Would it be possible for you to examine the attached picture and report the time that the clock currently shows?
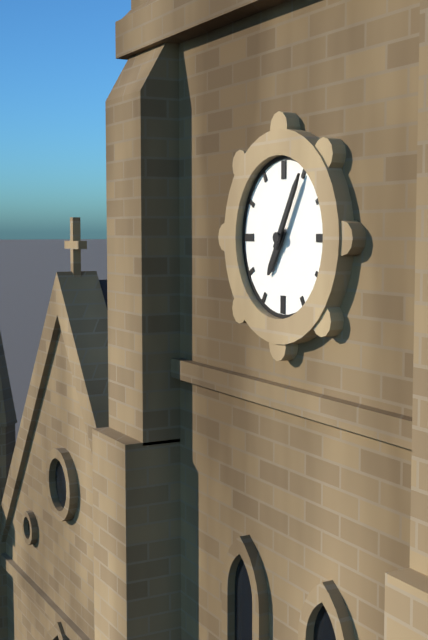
7:05
